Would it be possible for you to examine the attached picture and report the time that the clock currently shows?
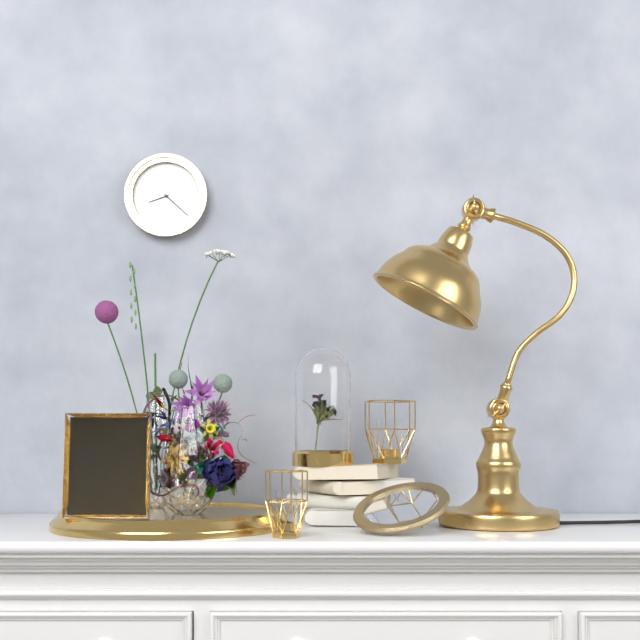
8:22
